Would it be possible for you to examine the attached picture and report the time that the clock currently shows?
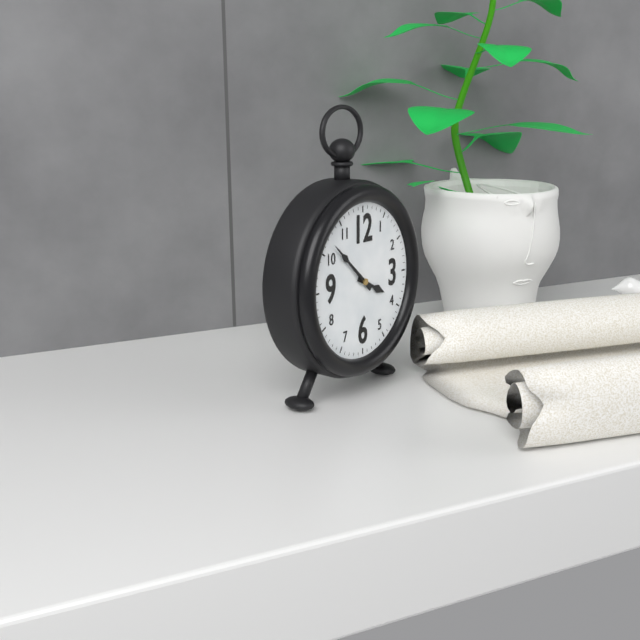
3:52
